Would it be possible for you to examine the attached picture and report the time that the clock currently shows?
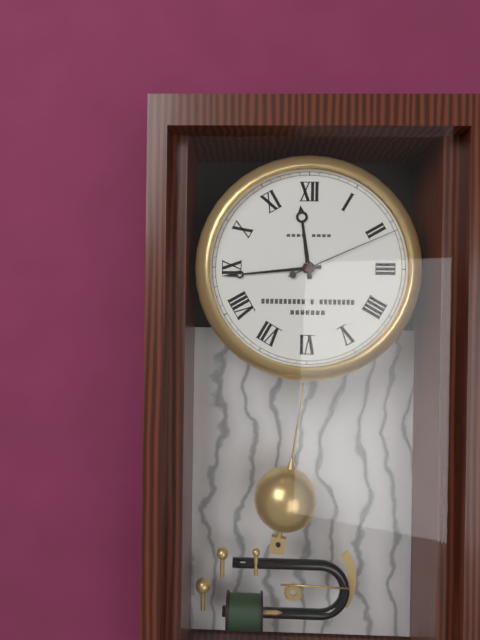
11:44:11
